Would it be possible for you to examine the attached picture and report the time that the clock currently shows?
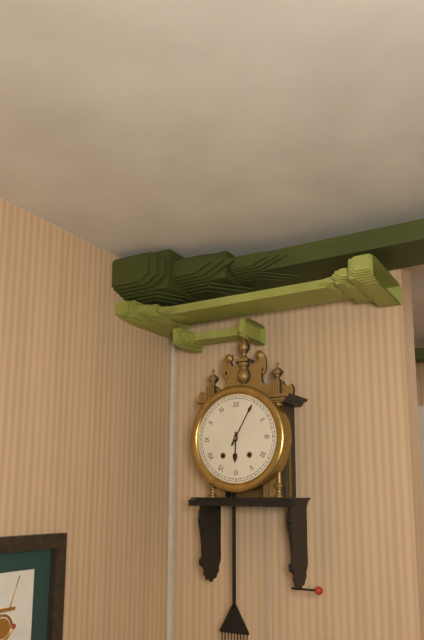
6:05
